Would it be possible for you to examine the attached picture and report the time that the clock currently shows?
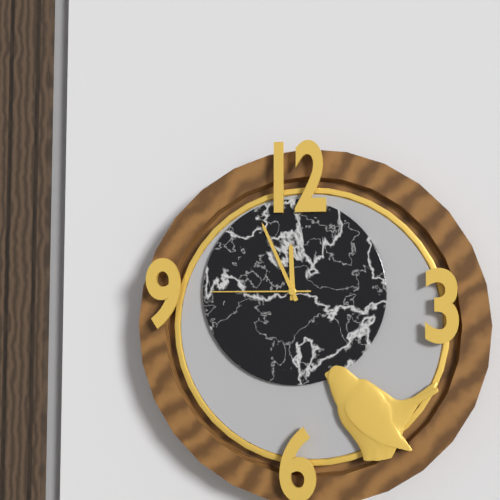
11:56:45
